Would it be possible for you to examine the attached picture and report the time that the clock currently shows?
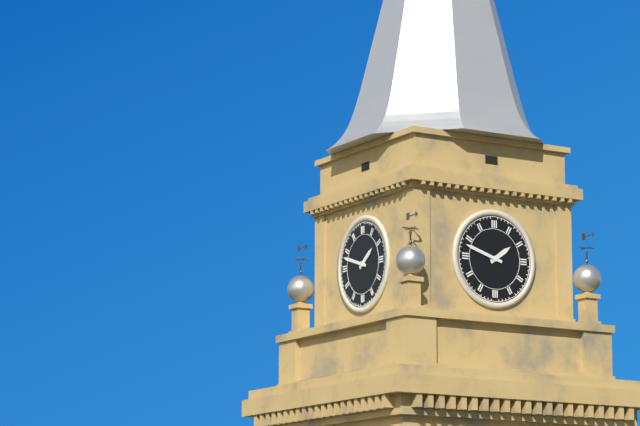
1:48
